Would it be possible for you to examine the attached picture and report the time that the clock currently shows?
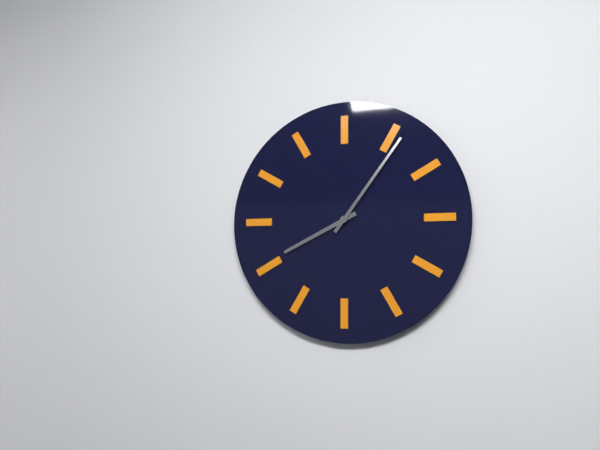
8:06
